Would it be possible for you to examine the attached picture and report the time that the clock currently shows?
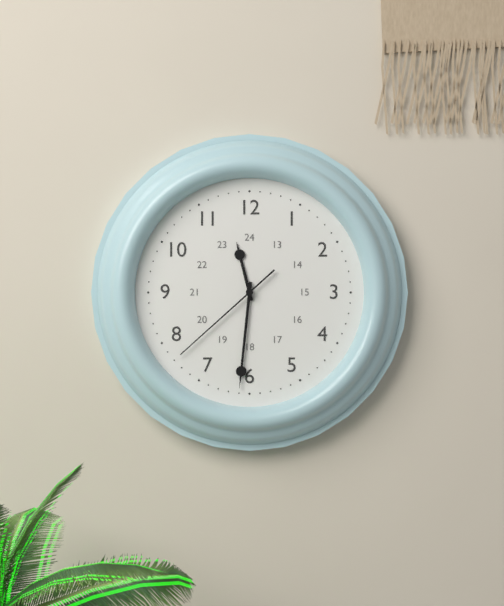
11:31:38
